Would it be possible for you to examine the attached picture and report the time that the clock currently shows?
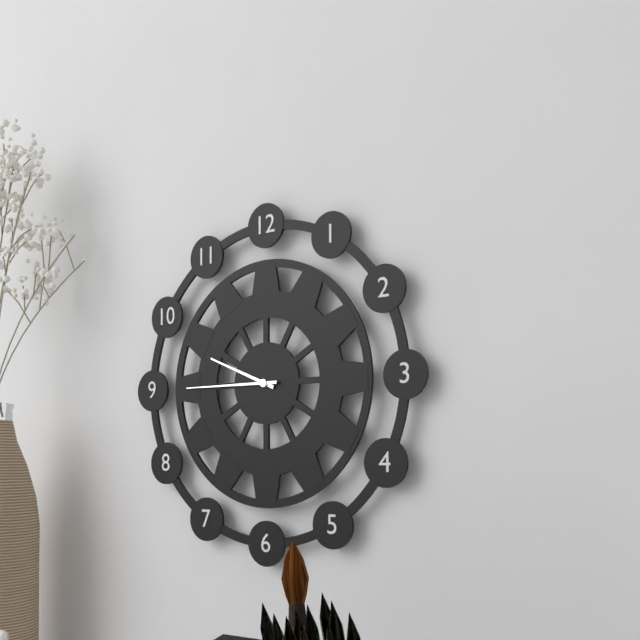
9:45
